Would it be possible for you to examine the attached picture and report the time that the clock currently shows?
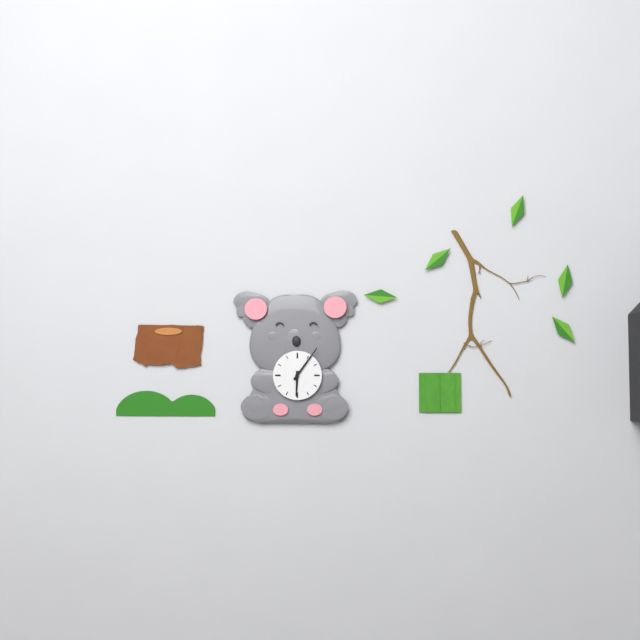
6:06
